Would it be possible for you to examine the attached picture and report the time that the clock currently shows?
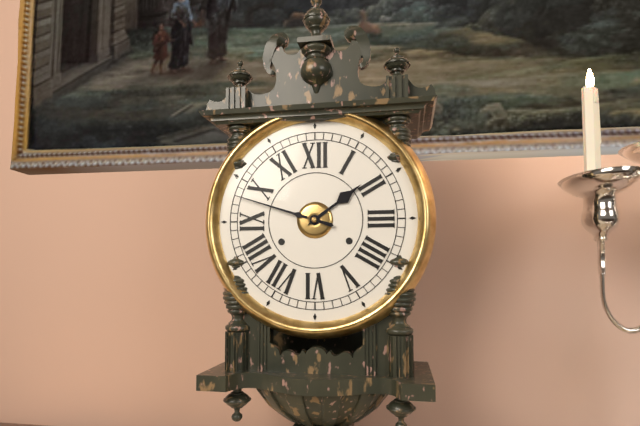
1:48
